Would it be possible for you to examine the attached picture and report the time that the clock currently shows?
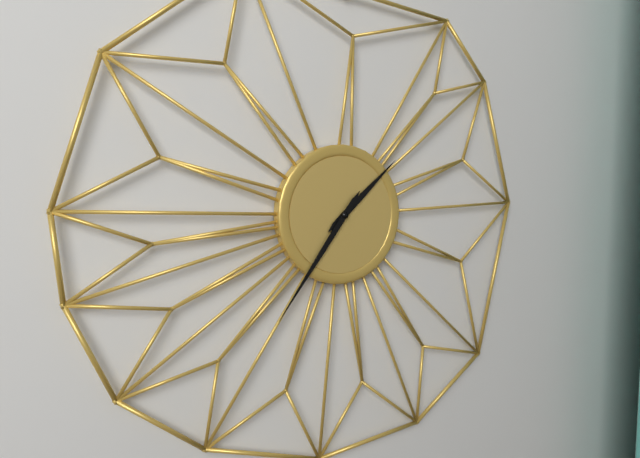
1:36
